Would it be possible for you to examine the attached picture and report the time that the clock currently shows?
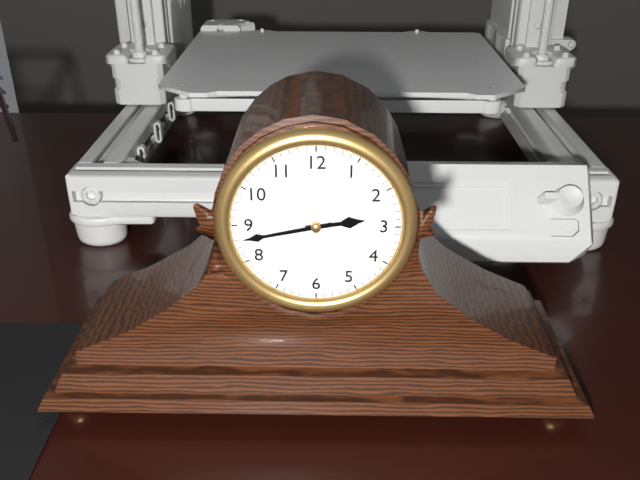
2:43
